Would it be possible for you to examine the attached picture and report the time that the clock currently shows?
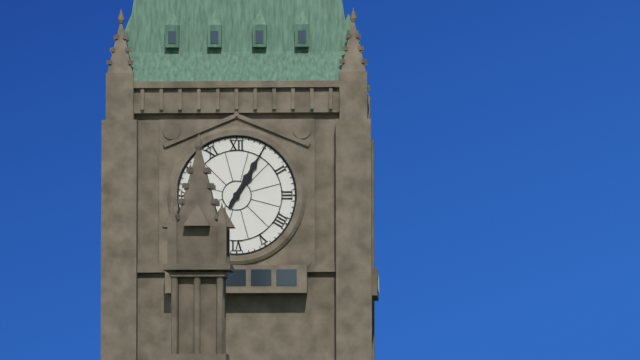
1:05
